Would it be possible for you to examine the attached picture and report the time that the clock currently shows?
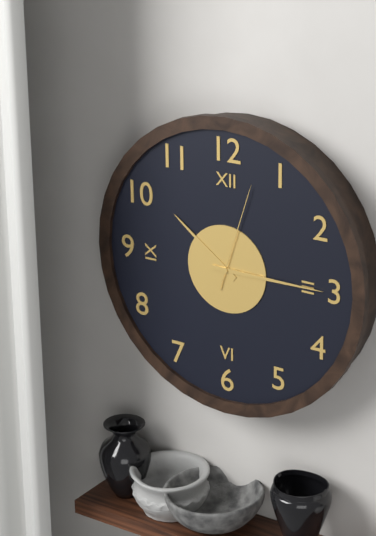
10:15:03
